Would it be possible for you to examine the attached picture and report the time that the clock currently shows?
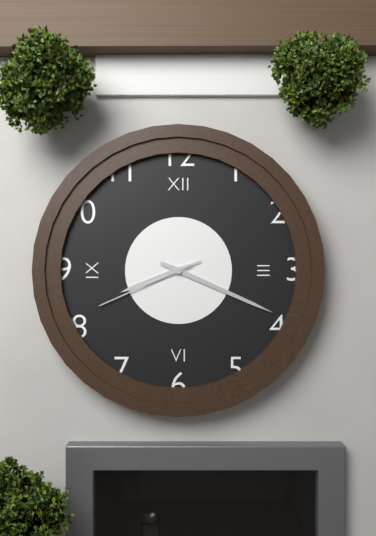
8:19:41
